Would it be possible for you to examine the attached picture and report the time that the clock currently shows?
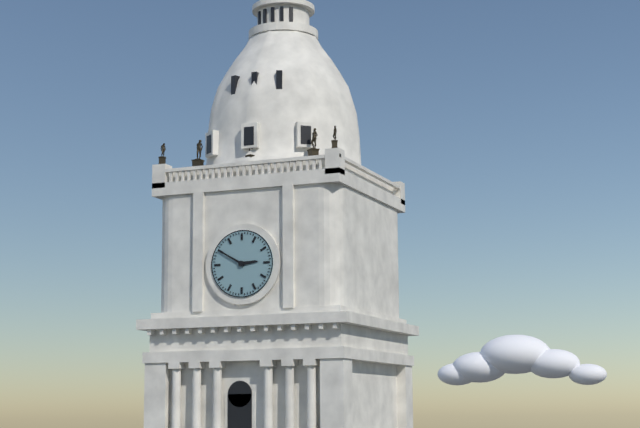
2:50
